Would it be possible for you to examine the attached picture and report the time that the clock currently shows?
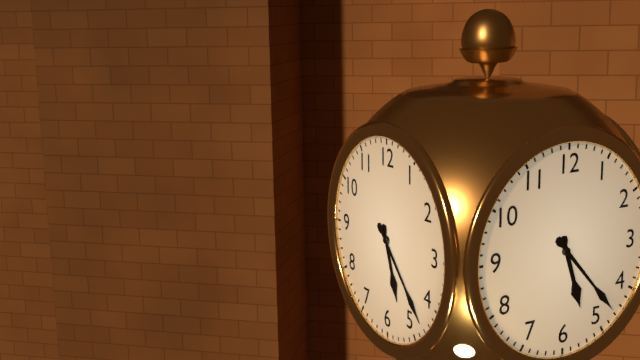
5:23
